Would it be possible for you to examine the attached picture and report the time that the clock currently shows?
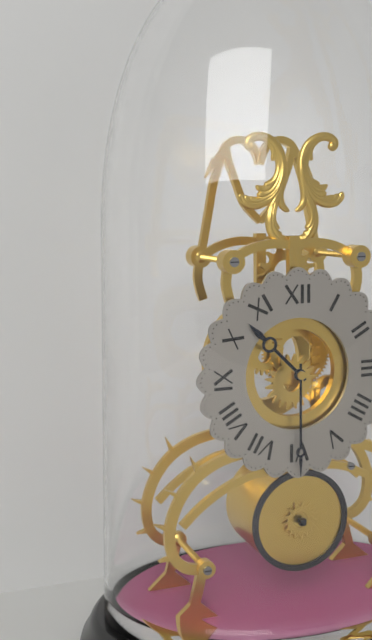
10:30
